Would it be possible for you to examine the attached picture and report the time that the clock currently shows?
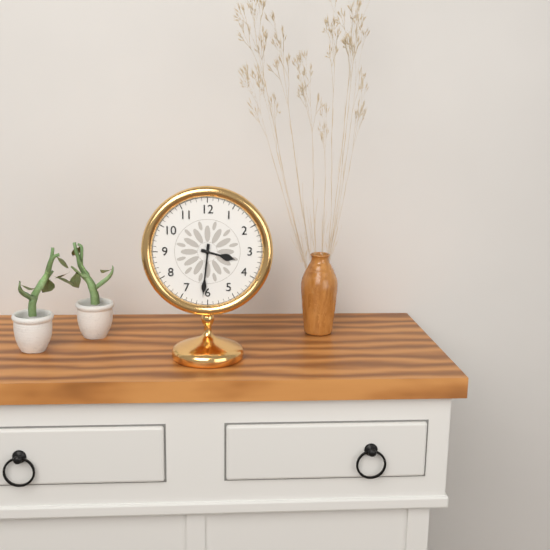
3:31
